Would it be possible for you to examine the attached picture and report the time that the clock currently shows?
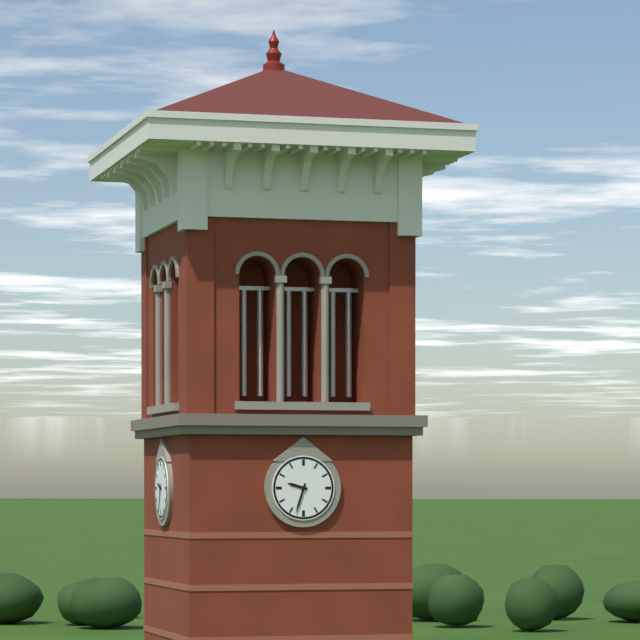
9:33
